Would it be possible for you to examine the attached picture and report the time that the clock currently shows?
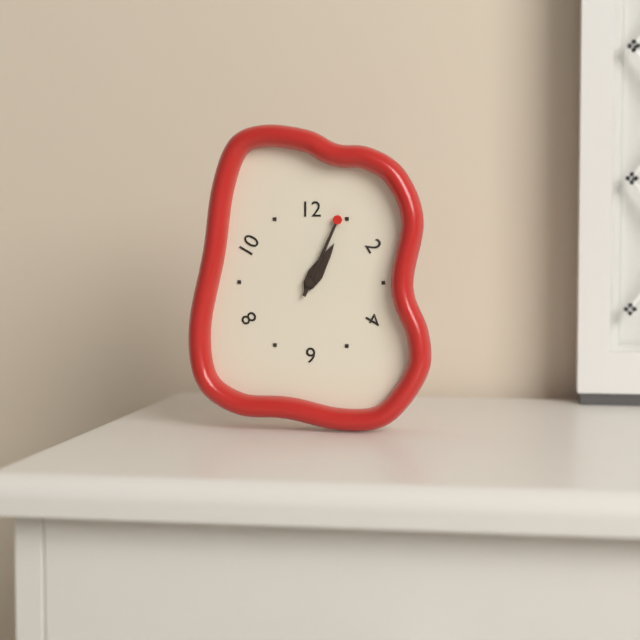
1:04
